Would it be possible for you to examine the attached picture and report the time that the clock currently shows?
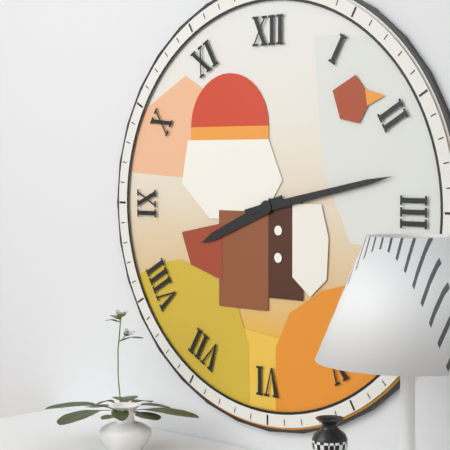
8:13
